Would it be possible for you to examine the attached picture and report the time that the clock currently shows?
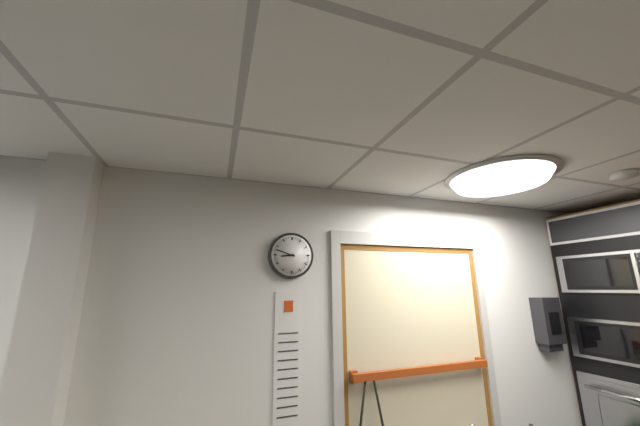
8:48
